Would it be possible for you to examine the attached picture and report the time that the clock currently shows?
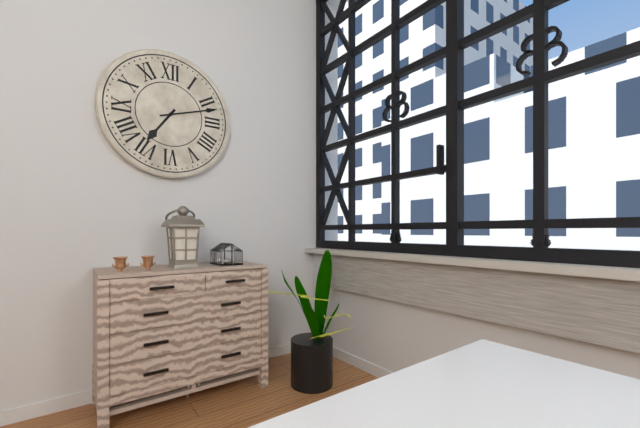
7:12
